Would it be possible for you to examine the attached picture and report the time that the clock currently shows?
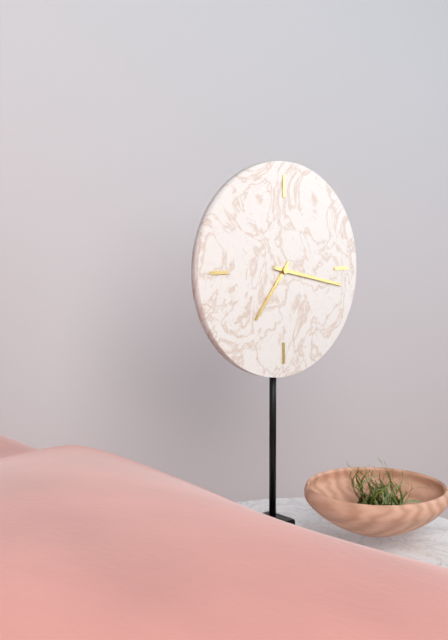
7:17
